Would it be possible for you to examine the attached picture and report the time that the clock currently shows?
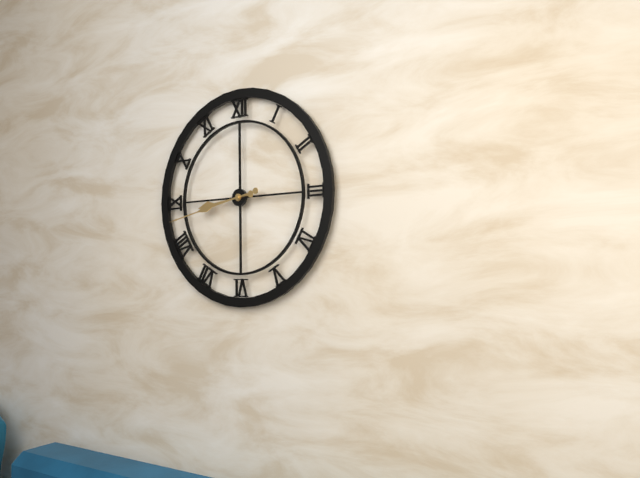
8:43
